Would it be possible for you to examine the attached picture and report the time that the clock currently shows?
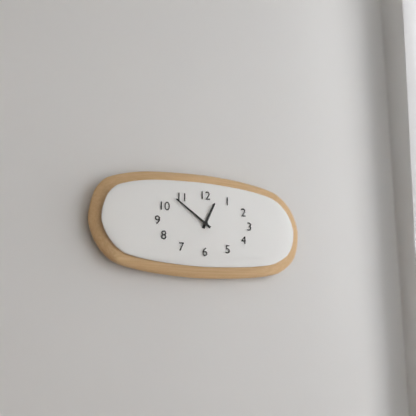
12:51
